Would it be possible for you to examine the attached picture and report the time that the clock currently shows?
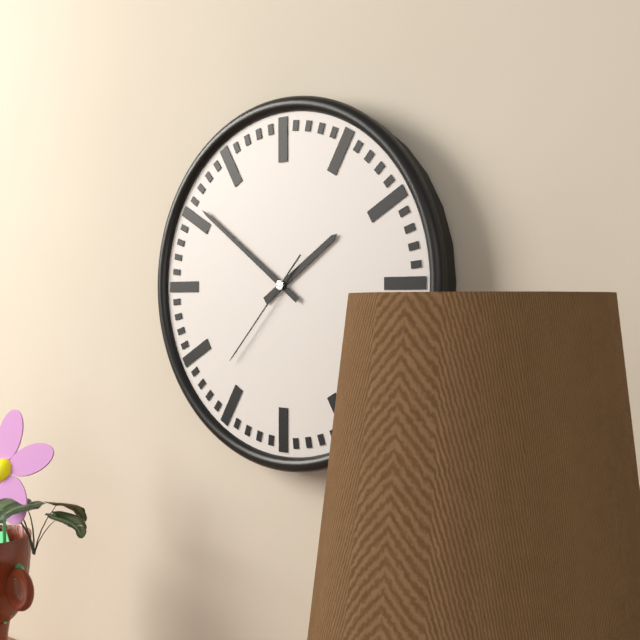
1:51:37
